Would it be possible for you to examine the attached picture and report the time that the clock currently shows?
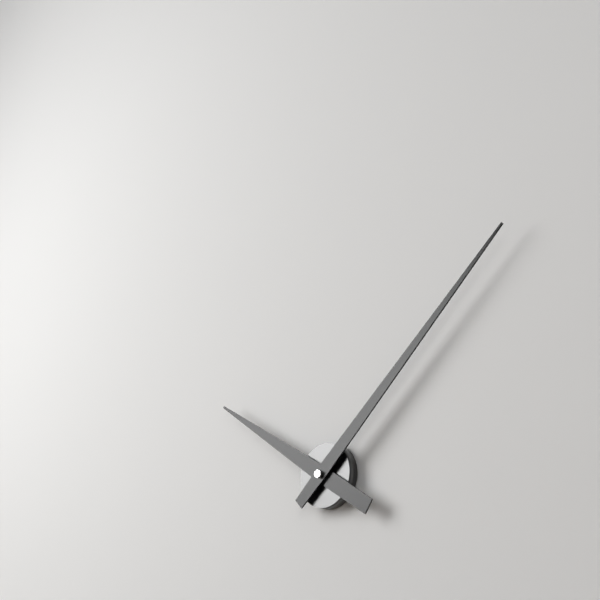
10:08
